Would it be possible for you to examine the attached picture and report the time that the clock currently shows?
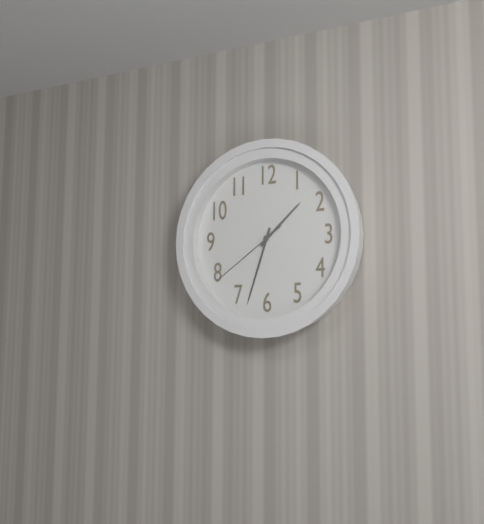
1:33:39
